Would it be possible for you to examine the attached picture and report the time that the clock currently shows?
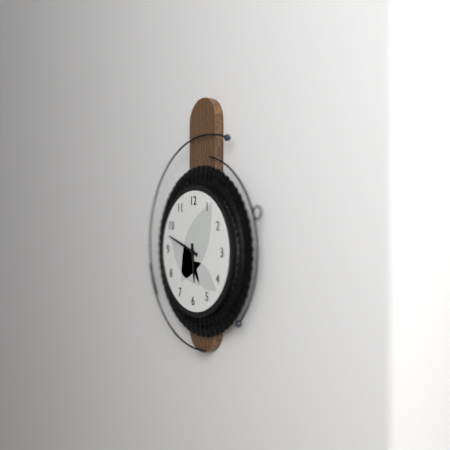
5:48
